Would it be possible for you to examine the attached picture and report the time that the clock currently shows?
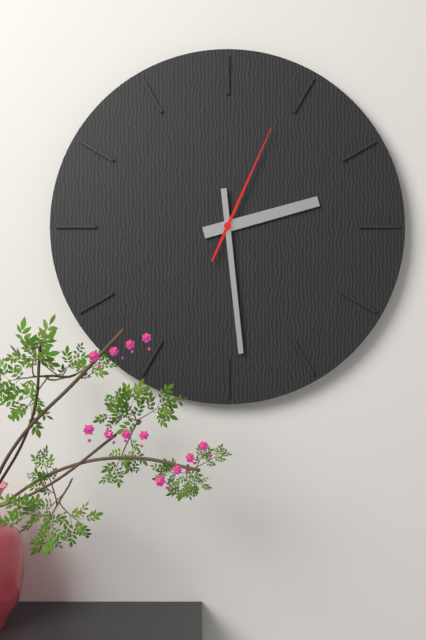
2:29:04
